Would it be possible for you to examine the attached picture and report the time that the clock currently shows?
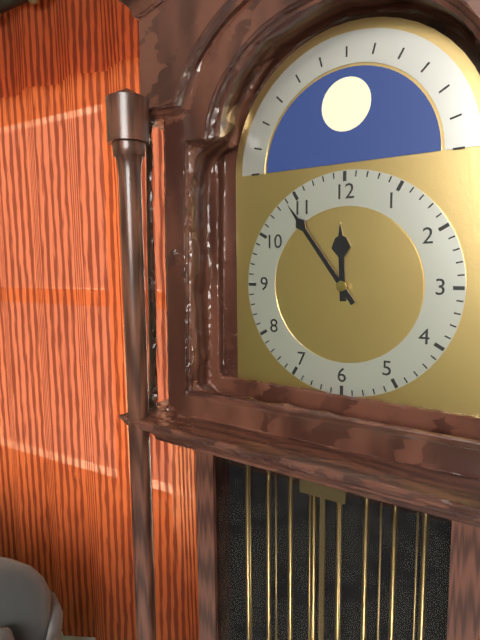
11:54
